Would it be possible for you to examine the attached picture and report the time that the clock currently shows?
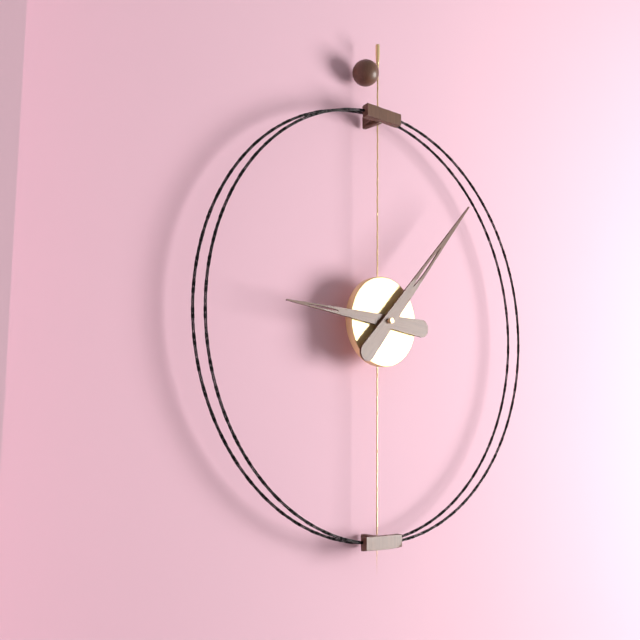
9:07
